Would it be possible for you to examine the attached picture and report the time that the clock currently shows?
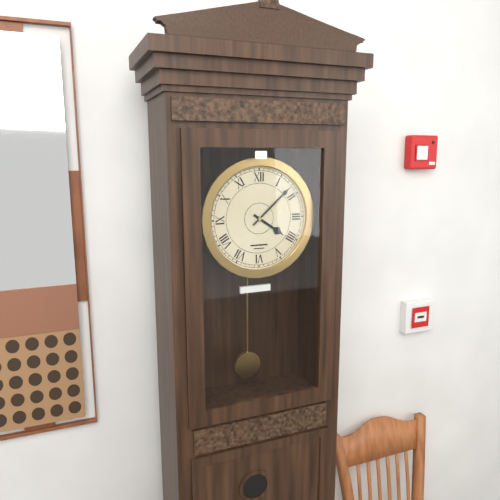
4:08
